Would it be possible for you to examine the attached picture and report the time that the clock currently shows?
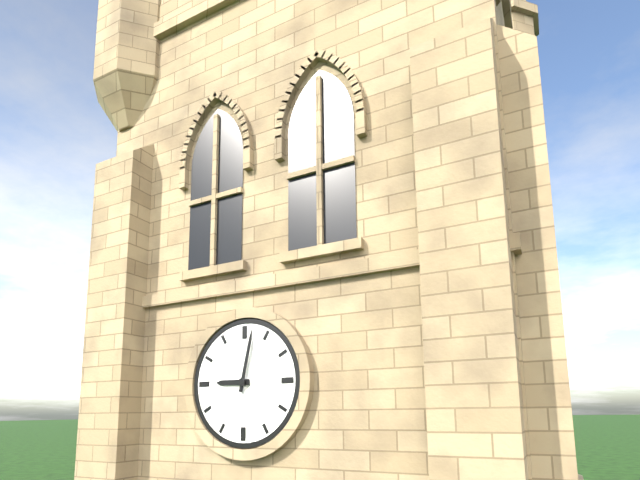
9:02
